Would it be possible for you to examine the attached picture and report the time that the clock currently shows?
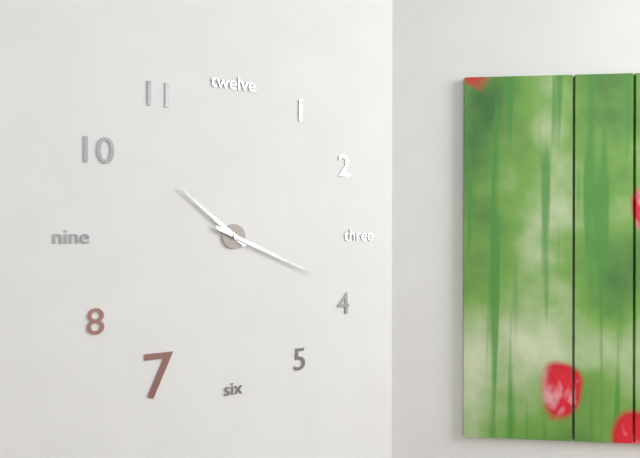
10:19
